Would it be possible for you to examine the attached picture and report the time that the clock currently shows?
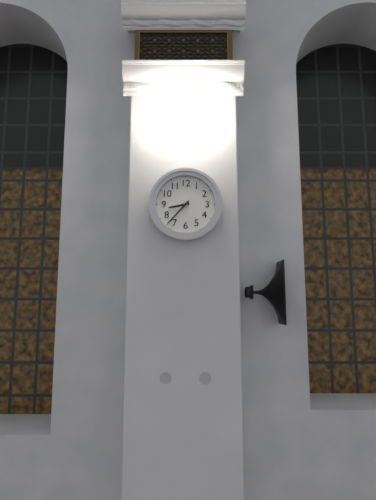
8:37
